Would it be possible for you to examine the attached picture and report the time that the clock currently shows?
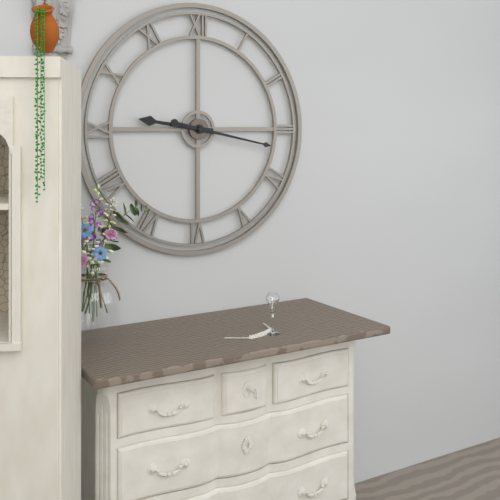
9:17
